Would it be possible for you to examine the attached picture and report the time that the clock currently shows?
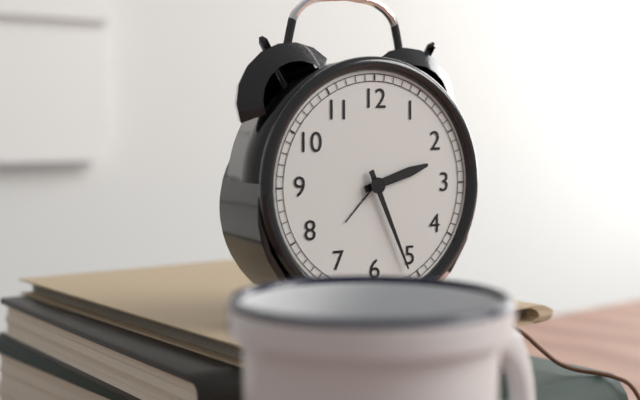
2:26
